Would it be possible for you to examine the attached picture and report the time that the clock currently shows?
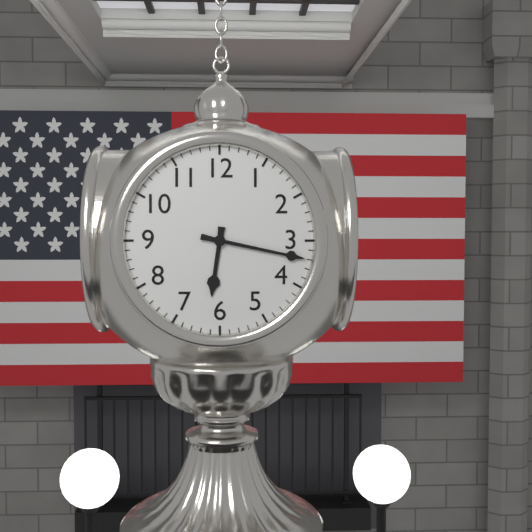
6:17
